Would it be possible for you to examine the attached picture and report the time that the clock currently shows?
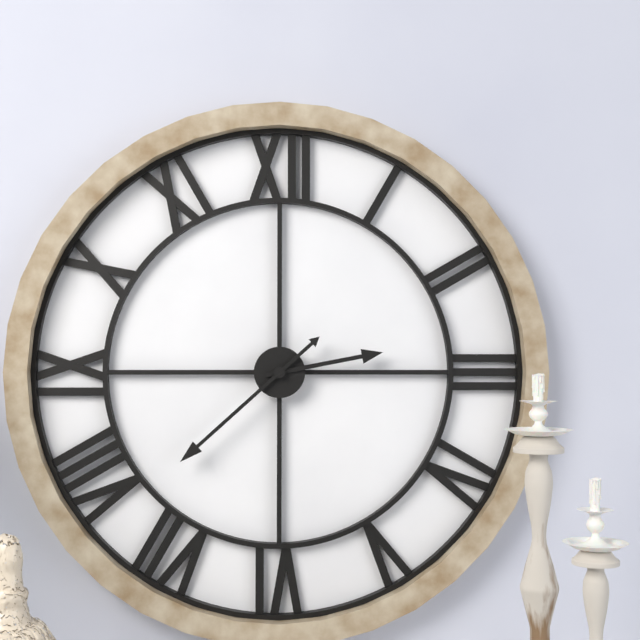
2:38
